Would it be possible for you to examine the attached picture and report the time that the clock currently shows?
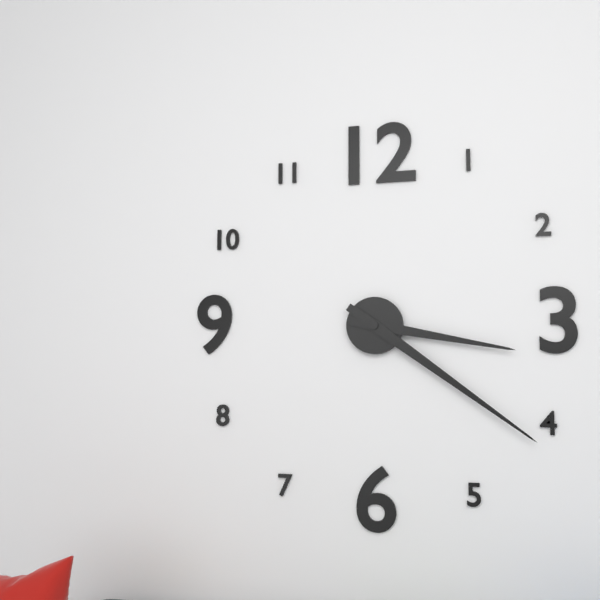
3:21
